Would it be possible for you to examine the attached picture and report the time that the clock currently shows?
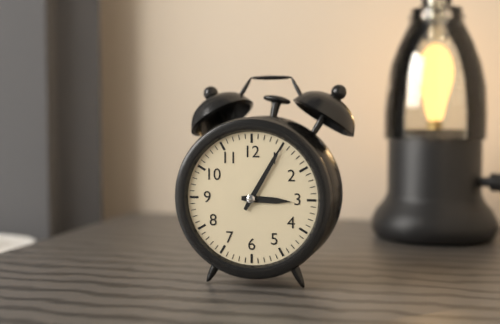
3:05
